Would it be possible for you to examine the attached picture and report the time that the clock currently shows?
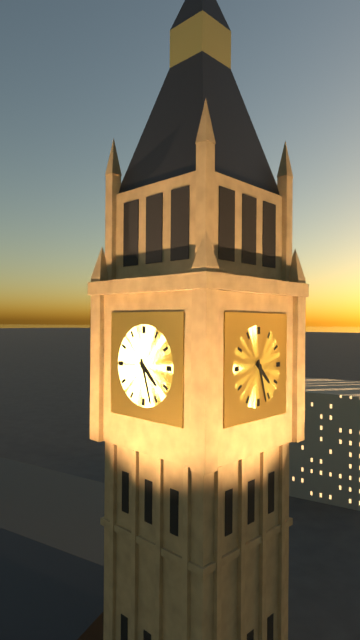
4:27
